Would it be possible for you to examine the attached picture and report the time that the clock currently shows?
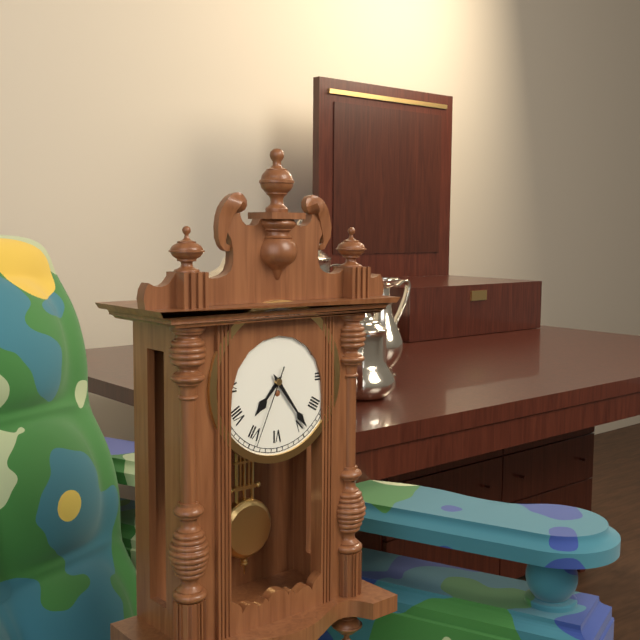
7:24:34
